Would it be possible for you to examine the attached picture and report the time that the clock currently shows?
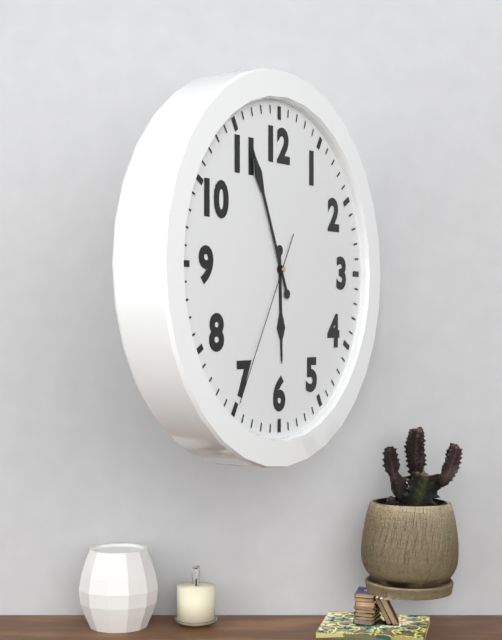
5:56:35
